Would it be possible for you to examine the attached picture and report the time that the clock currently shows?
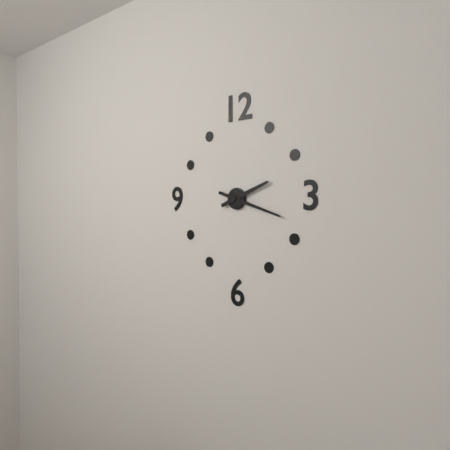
2:18
